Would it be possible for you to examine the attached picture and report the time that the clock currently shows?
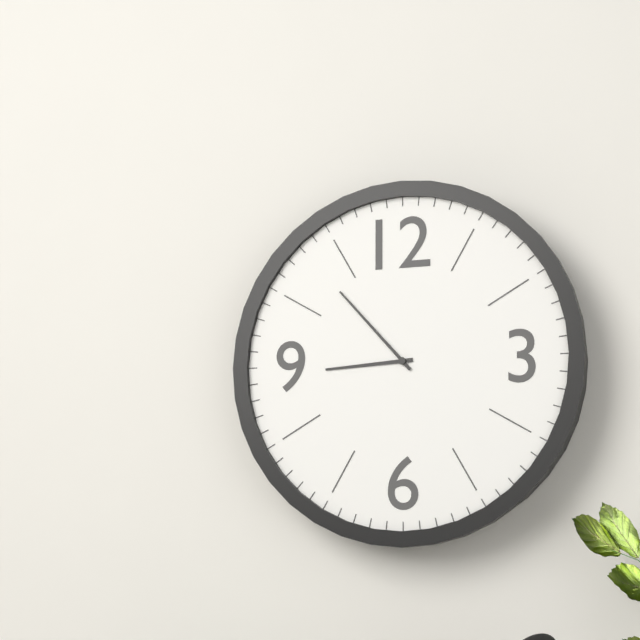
8:53
